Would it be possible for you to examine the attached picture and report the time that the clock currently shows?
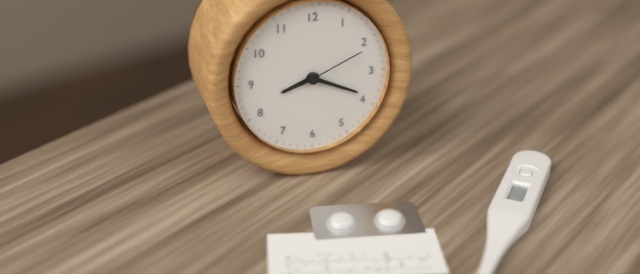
8:19:11
